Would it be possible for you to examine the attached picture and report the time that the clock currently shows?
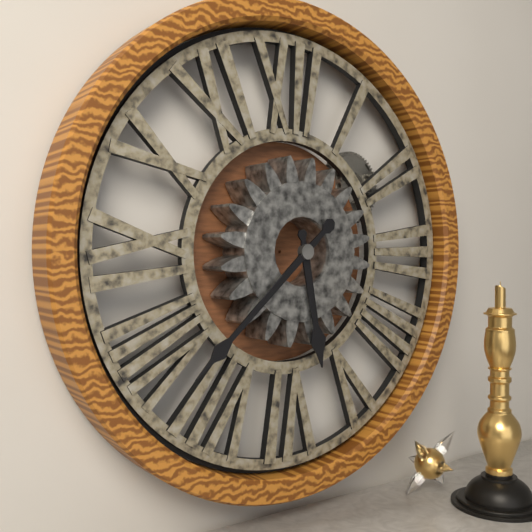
5:38
